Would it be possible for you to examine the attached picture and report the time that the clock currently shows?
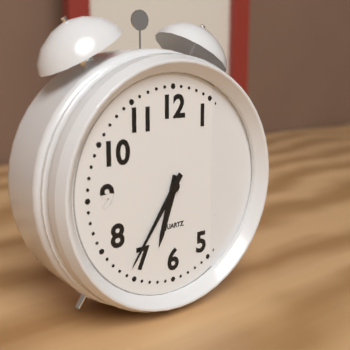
6:36
